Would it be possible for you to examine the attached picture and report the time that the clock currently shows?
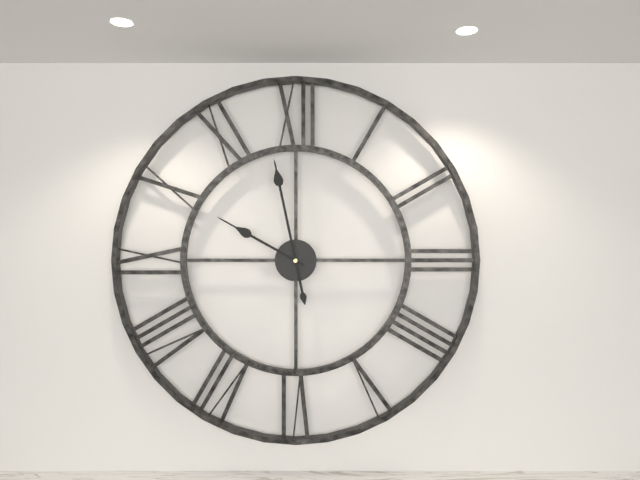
9:58
